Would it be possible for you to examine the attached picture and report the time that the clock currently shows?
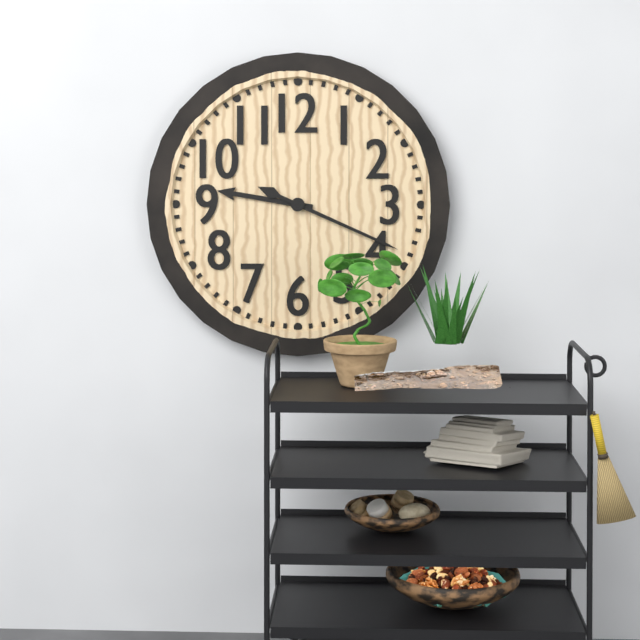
9:19
